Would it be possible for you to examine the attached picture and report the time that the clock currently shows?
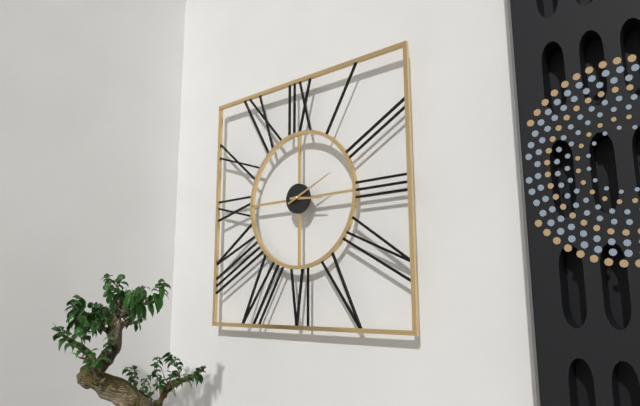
3:11
